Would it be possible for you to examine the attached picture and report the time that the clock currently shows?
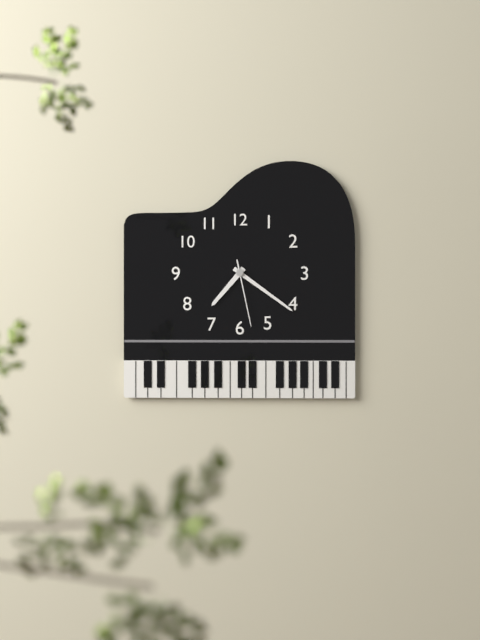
7:21:28
